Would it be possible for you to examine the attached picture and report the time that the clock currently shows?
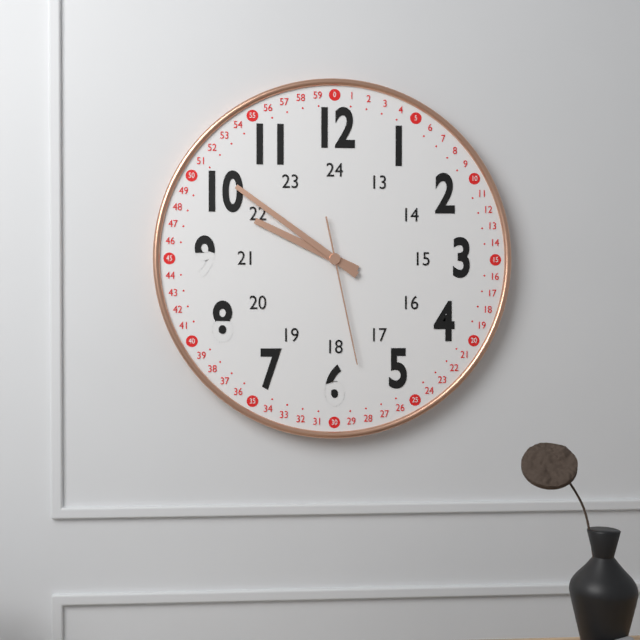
9:51:28
